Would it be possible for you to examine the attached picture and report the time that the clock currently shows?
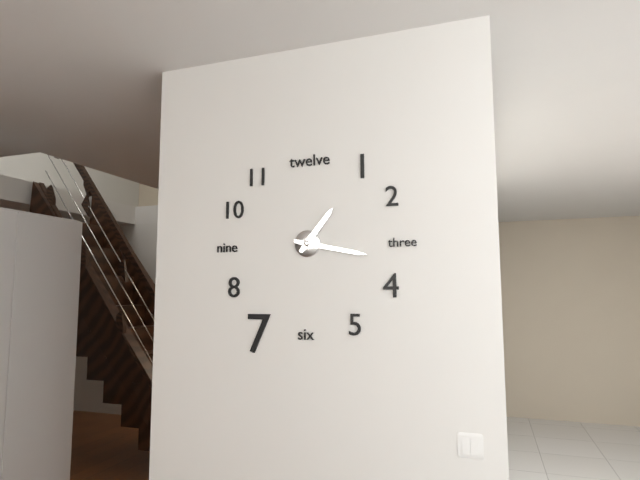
1:17
